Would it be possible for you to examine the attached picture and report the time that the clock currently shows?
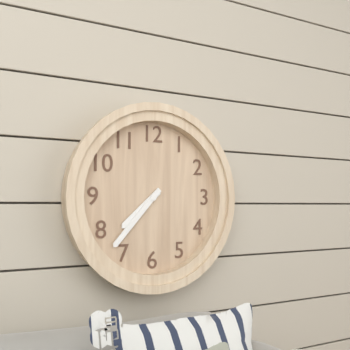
7:37
